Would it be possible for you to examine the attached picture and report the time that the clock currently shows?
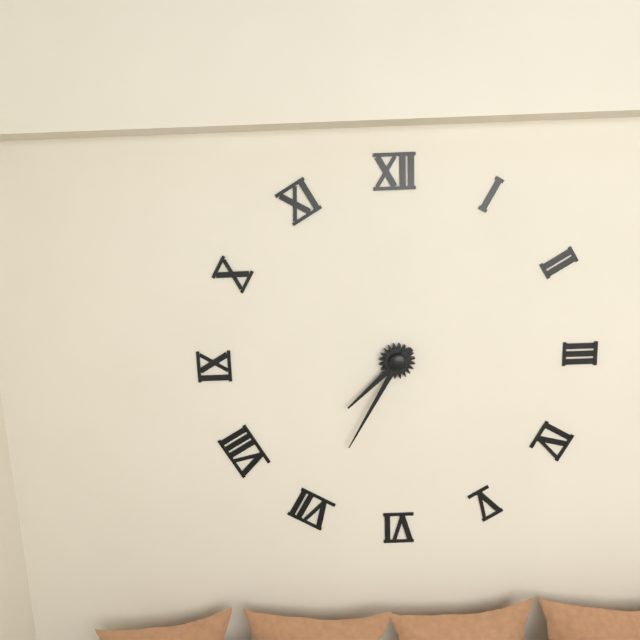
7:35
